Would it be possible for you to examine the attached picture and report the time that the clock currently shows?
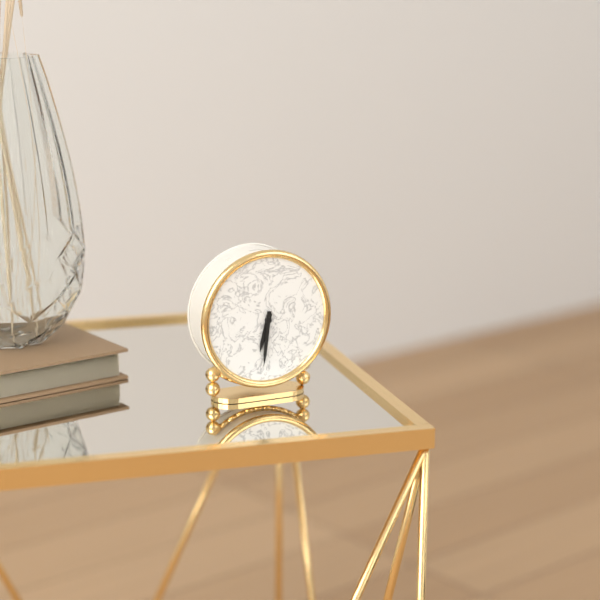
6:31
